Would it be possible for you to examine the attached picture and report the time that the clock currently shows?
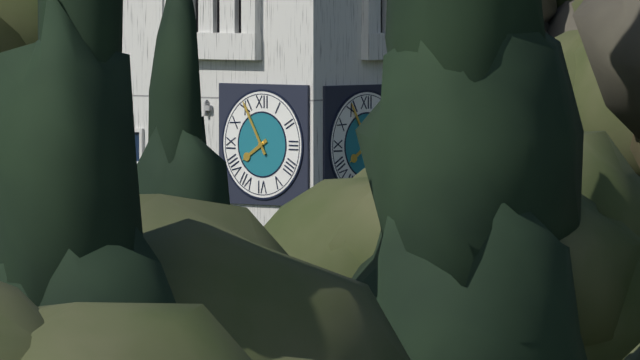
7:55
